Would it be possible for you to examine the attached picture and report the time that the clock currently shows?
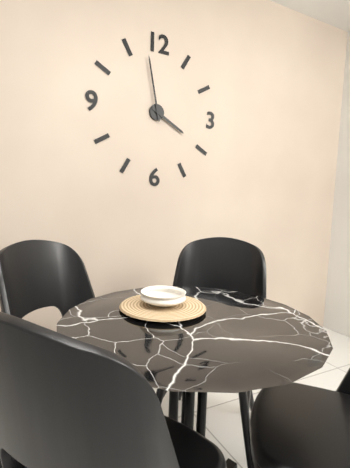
3:58
